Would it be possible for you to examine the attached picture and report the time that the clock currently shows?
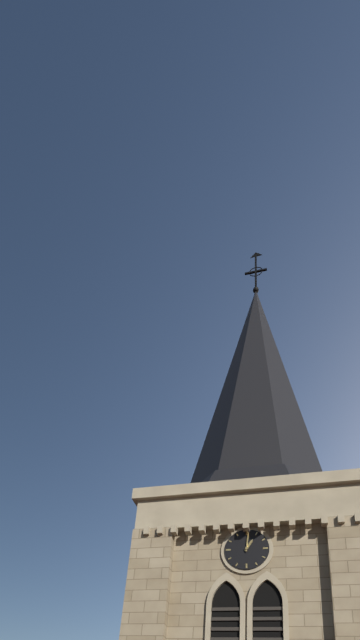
1:01
